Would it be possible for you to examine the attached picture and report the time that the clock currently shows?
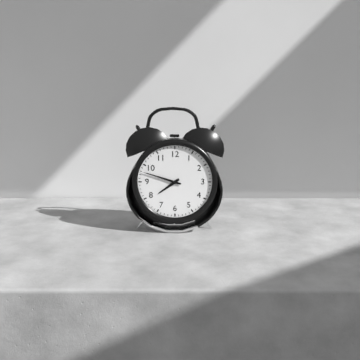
7:48
